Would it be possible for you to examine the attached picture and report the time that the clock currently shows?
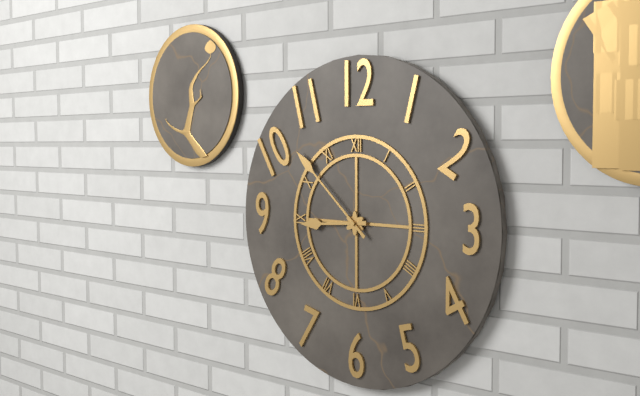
8:52
